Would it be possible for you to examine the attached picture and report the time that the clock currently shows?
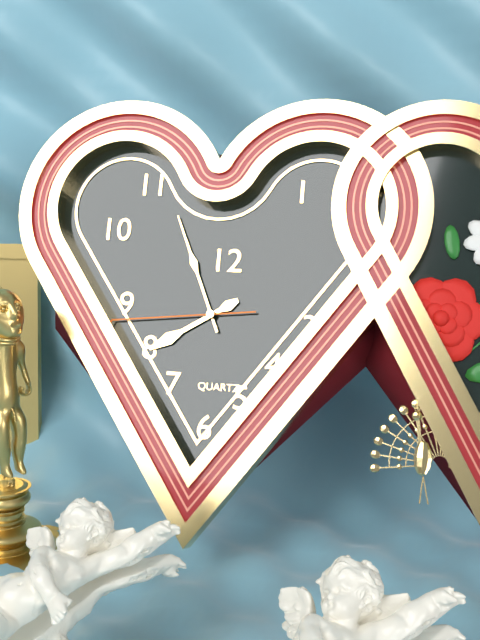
7:56:44
